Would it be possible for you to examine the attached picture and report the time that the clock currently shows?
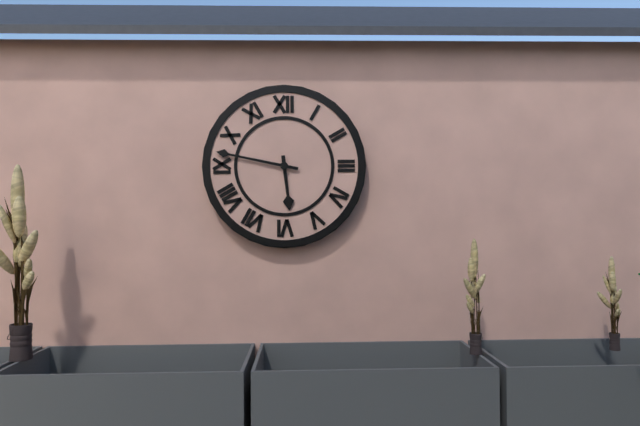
5:47
